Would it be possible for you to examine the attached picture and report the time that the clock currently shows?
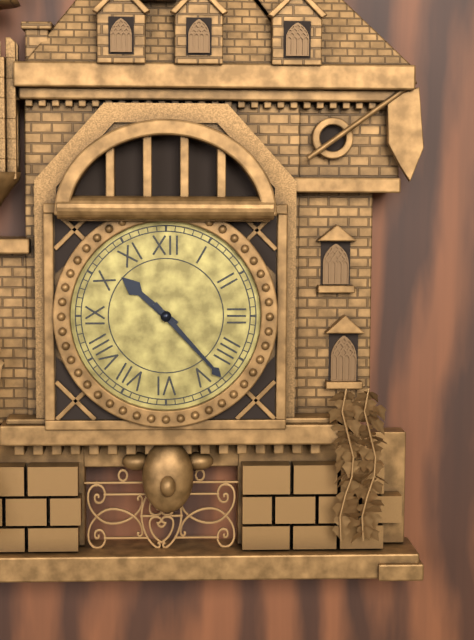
10:23
